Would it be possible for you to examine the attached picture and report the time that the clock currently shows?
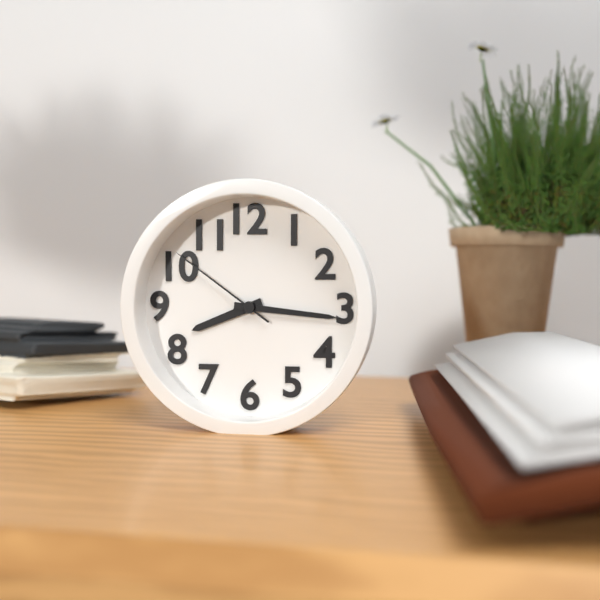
8:16:51
